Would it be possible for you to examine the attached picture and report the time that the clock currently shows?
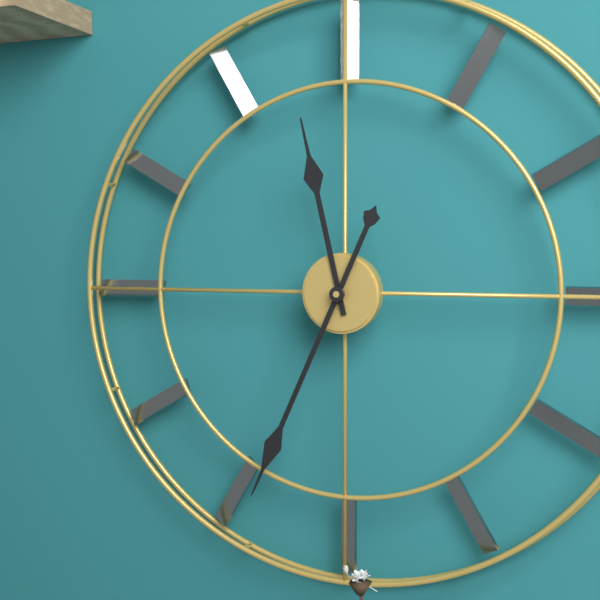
11:34
